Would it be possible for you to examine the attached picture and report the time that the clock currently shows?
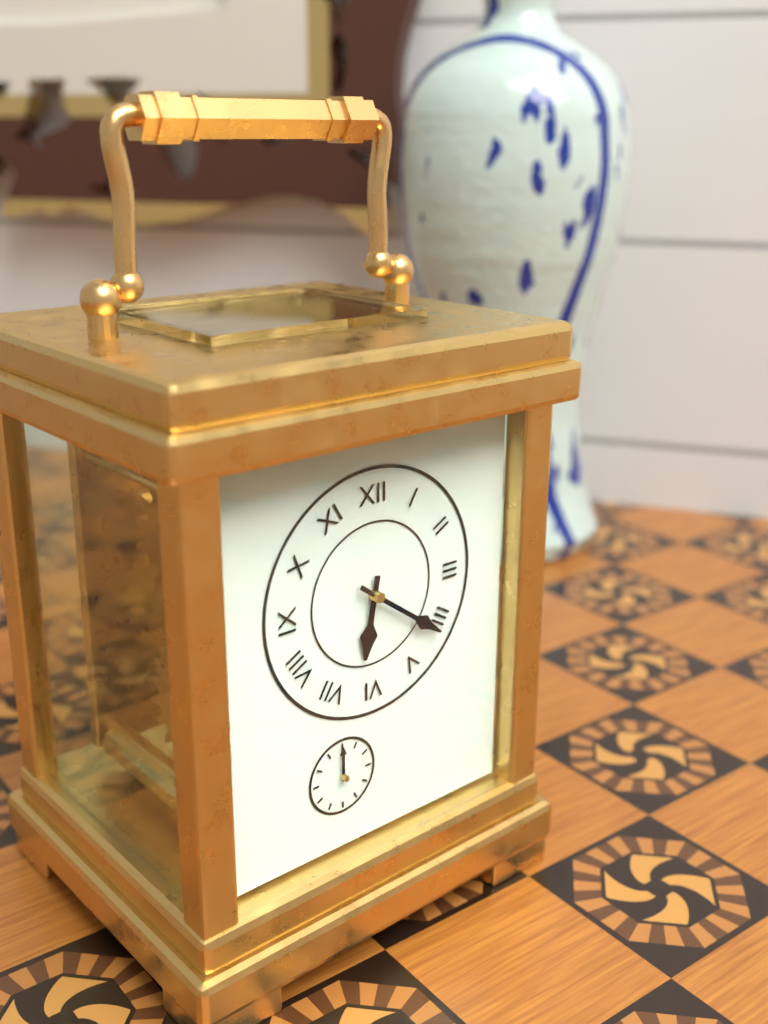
6:21
